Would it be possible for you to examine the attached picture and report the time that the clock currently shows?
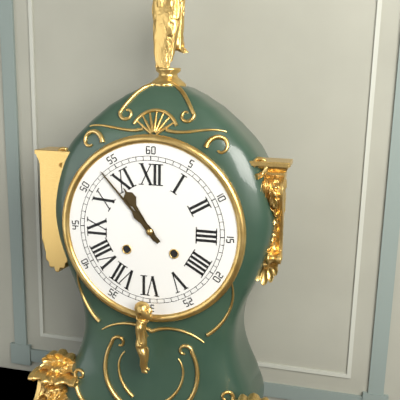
10:53
